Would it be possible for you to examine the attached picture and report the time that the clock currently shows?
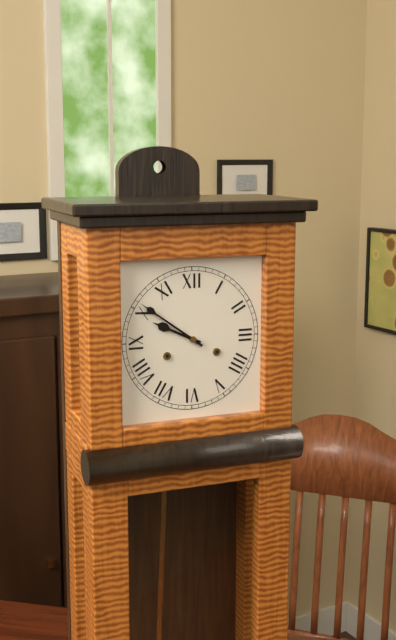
9:51
